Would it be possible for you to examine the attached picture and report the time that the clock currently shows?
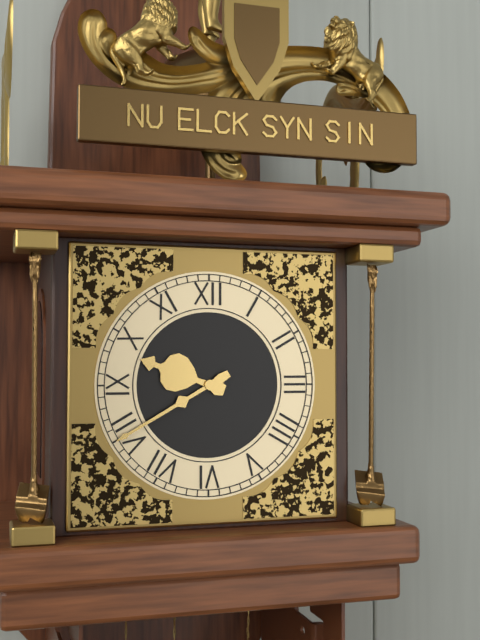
9:40
